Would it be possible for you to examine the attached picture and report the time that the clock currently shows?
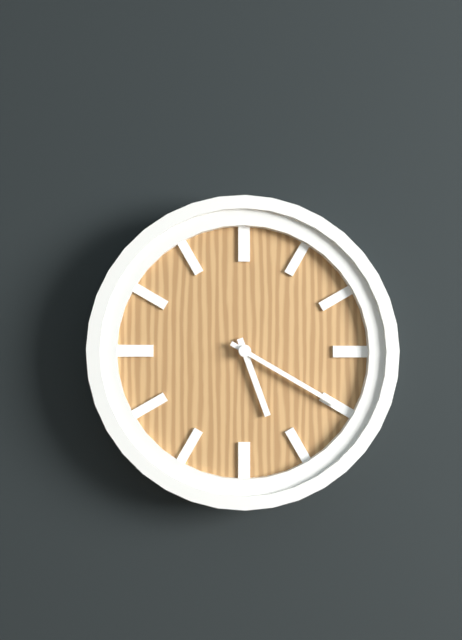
5:20
